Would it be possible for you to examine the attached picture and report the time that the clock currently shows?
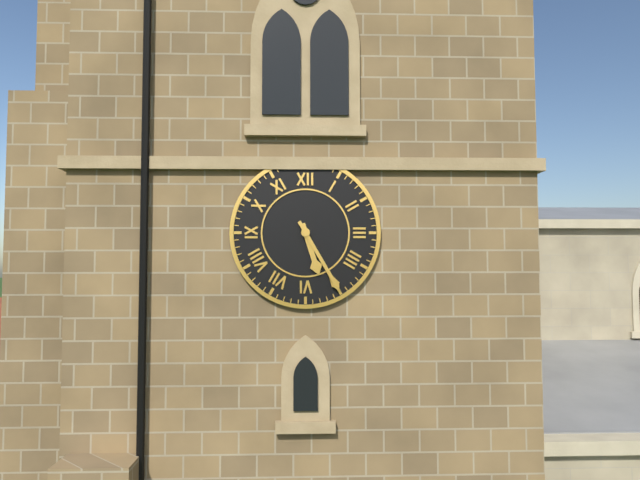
5:25
